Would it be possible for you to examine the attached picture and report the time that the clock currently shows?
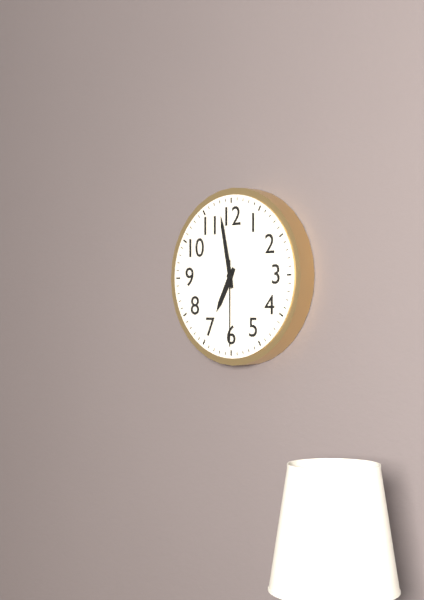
6:58:30
